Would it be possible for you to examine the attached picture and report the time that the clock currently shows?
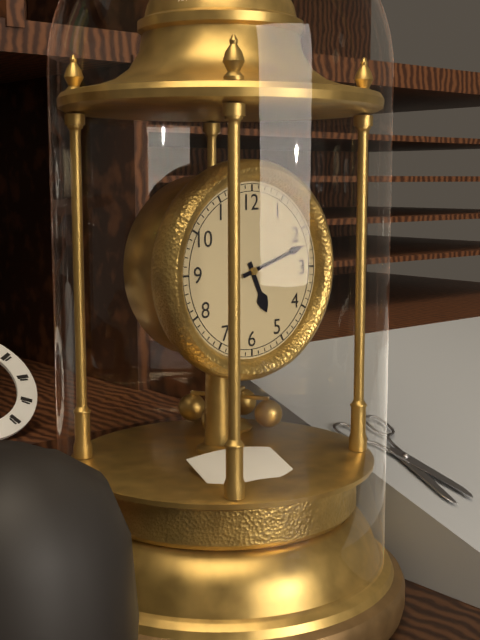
5:12
